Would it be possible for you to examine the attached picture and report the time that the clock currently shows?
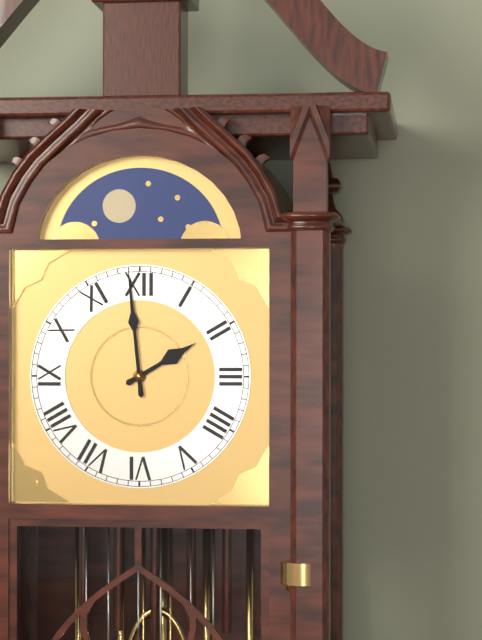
1:59
